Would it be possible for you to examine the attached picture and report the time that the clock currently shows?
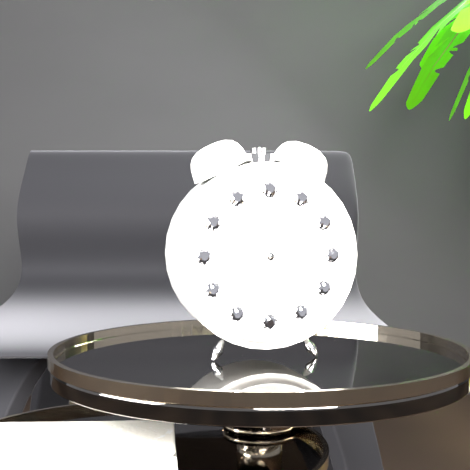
5:36:49
